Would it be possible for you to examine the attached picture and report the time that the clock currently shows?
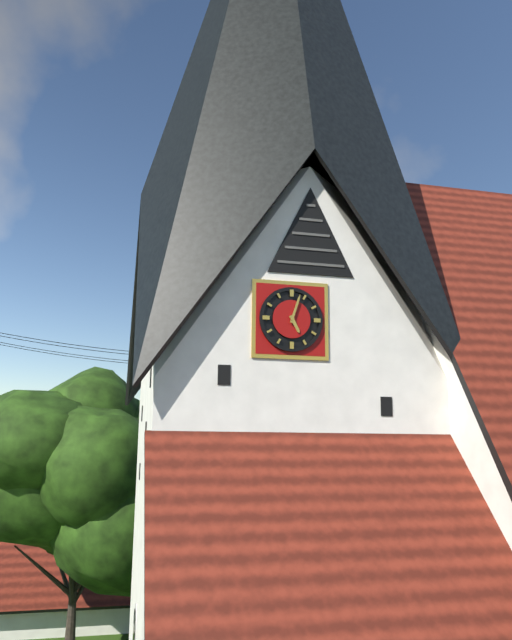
5:03
